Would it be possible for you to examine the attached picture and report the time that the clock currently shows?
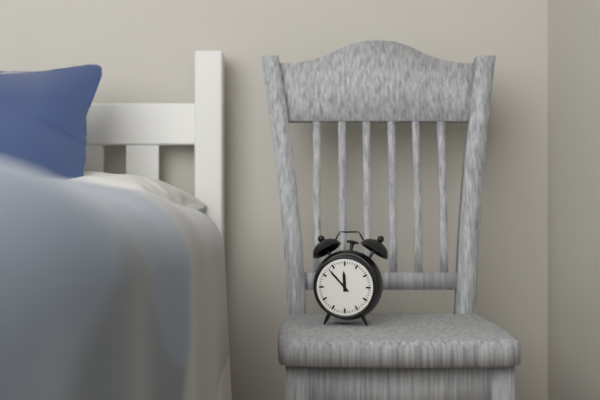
11:53
